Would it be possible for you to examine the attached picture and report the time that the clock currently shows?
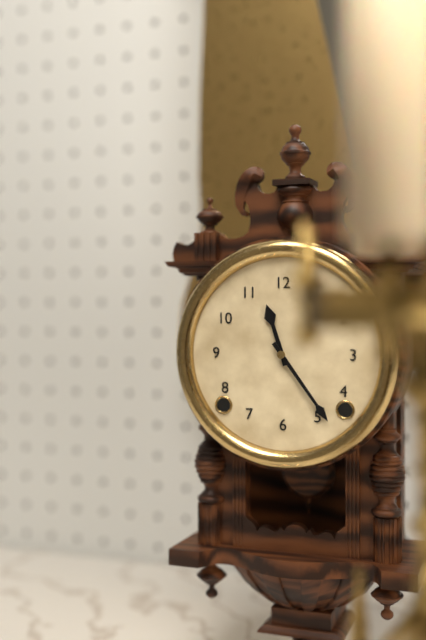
11:24
